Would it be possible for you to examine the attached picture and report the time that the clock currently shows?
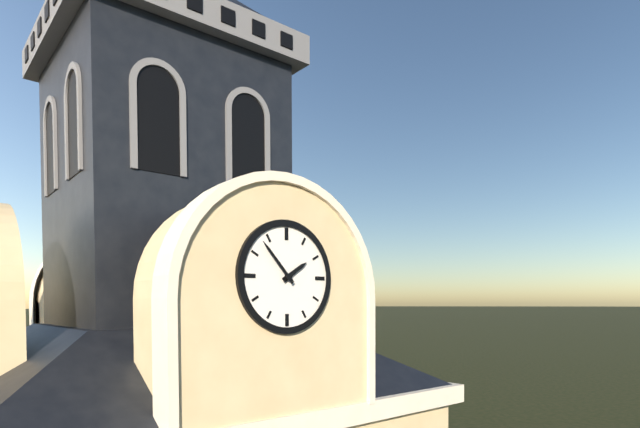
1:53
